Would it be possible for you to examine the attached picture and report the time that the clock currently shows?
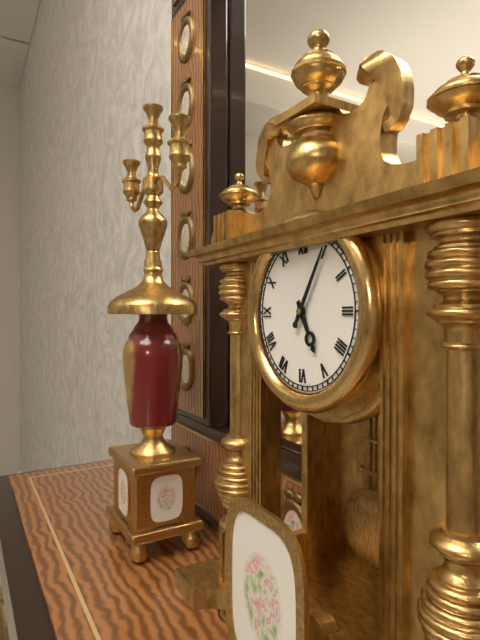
5:05
